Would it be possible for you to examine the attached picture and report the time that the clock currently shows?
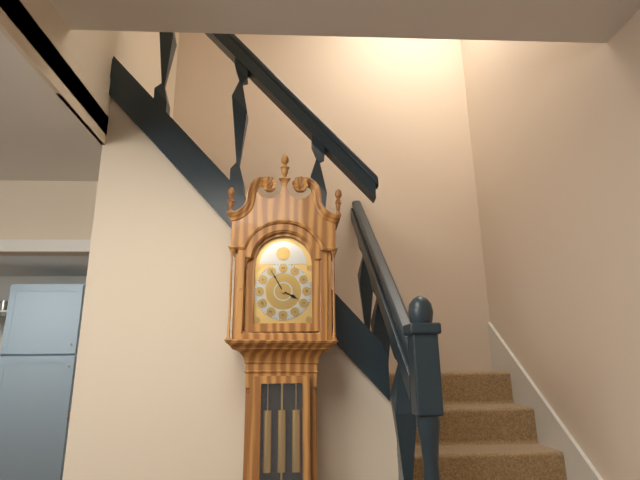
3:55
